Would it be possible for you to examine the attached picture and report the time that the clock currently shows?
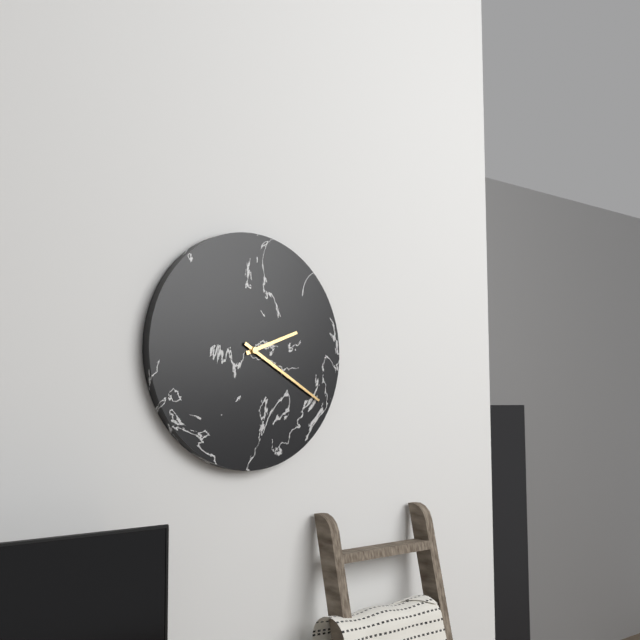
2:20
